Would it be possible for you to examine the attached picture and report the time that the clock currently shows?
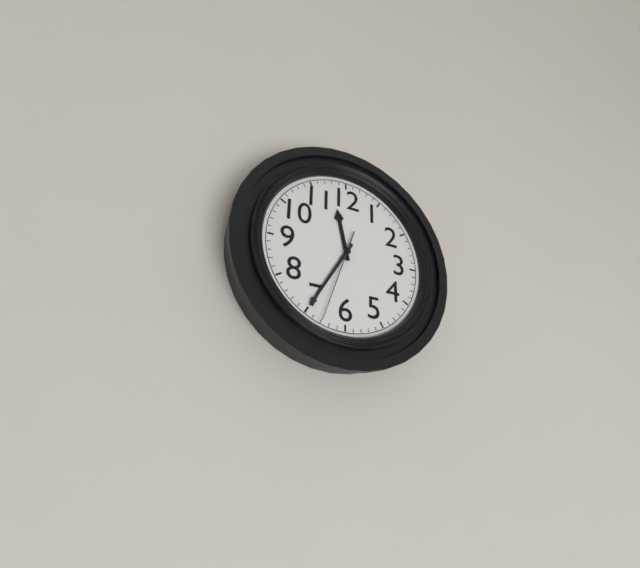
11:35:33
